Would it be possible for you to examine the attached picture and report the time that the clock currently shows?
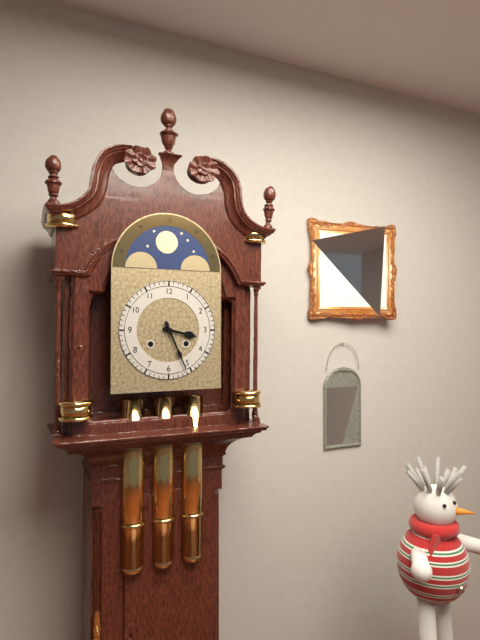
3:26
